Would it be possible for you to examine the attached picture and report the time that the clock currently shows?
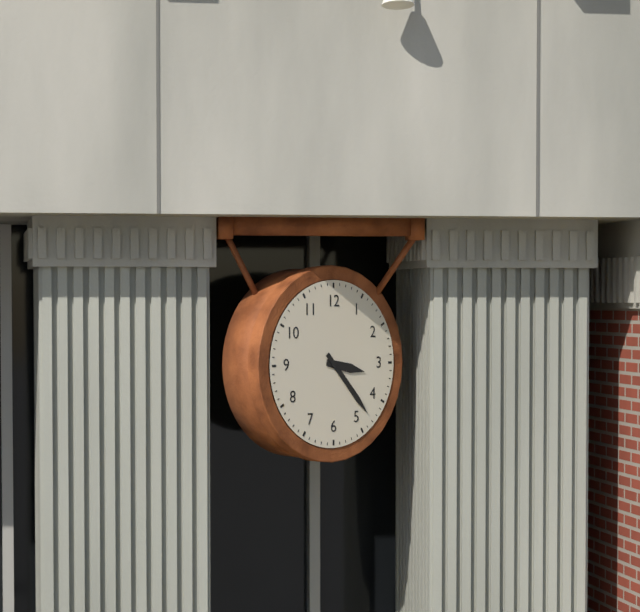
3:23
